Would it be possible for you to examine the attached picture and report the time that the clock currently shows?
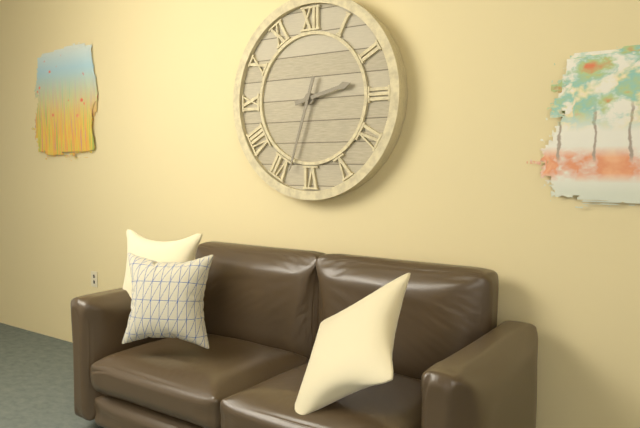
2:33
